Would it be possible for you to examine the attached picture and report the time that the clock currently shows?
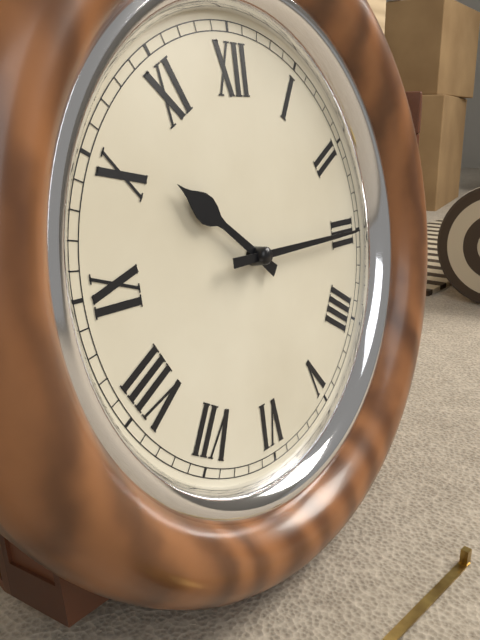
10:15
